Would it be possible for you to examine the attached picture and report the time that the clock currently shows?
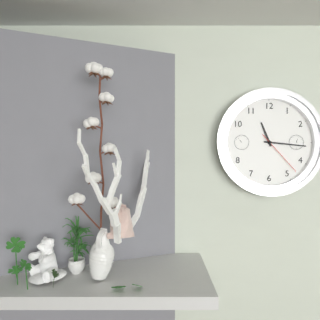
11:16
